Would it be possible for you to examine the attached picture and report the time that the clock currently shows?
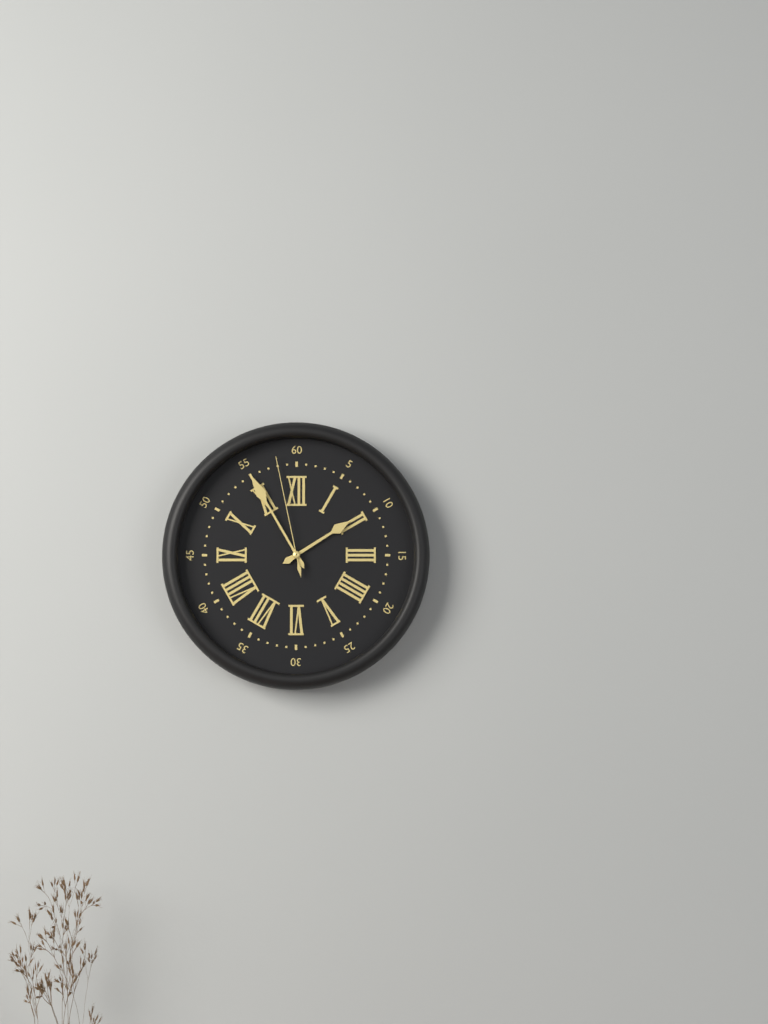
1:55:58
